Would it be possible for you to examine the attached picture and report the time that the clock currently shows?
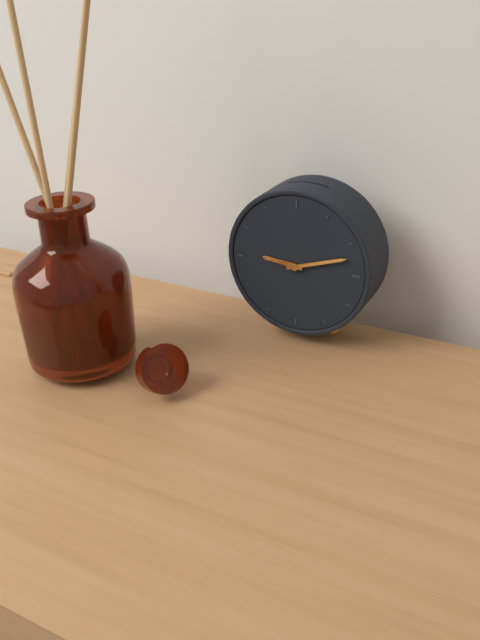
9:12
